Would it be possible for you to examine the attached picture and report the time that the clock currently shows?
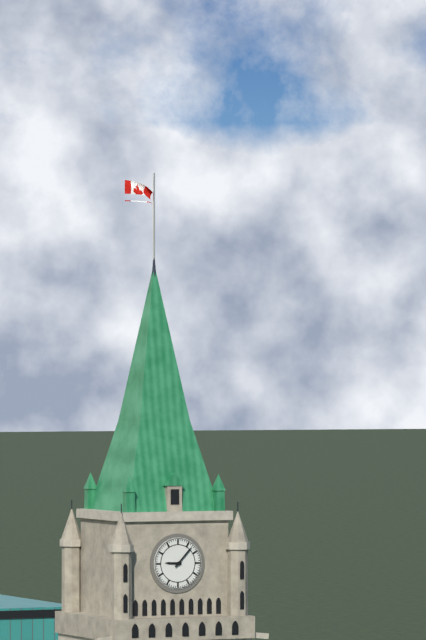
9:07
